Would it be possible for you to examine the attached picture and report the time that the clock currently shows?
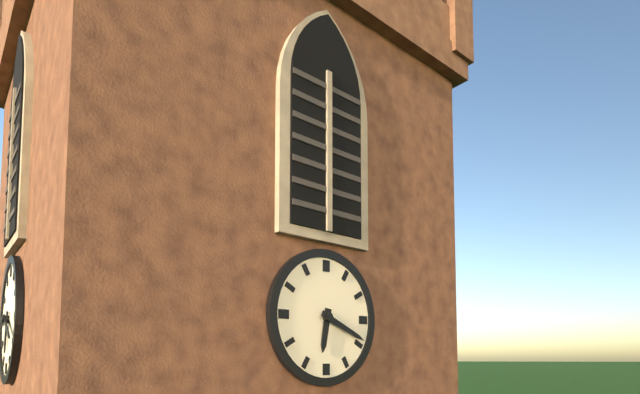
6:19
